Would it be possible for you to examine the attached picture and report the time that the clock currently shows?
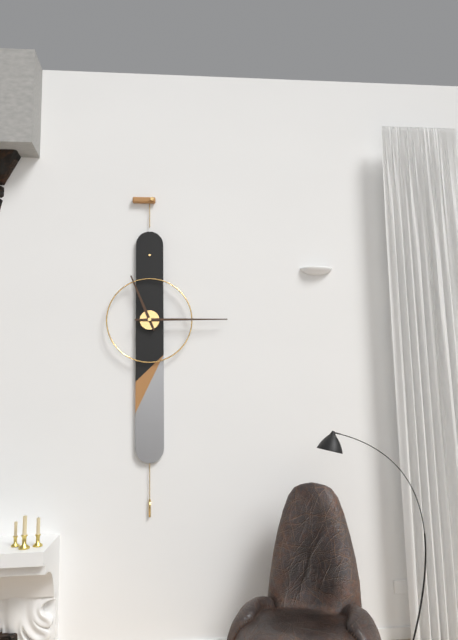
11:15
